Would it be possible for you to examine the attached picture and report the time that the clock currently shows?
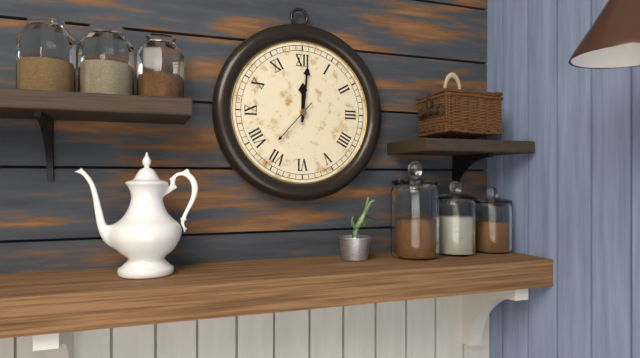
12:01
